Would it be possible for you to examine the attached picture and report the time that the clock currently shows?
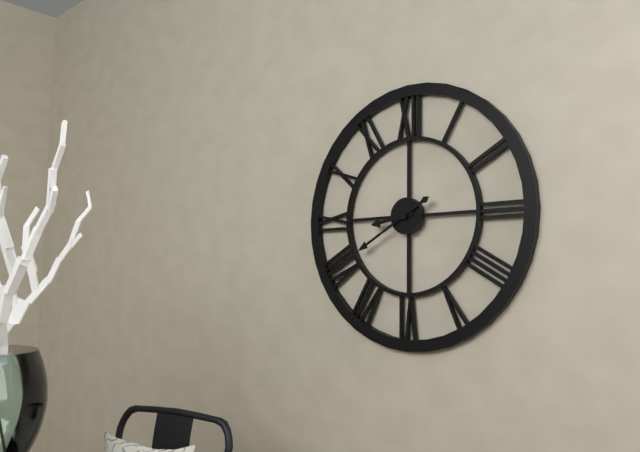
8:40
